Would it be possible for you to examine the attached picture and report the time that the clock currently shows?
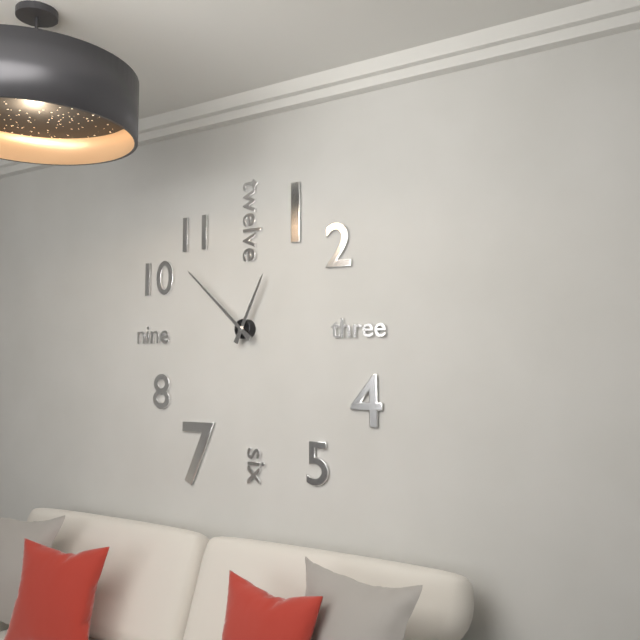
12:52
